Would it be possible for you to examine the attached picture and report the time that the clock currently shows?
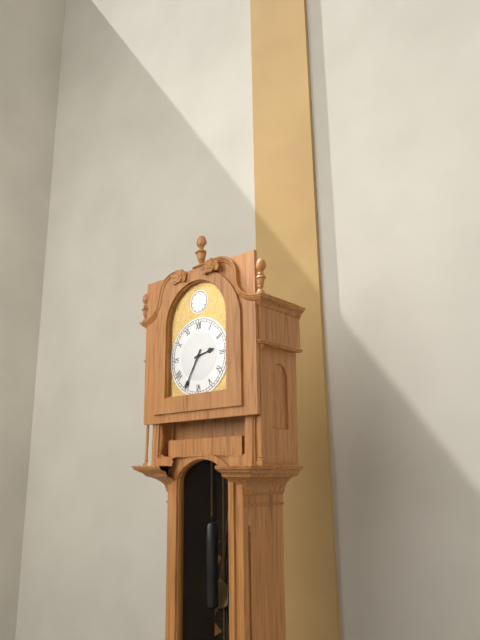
2:35
